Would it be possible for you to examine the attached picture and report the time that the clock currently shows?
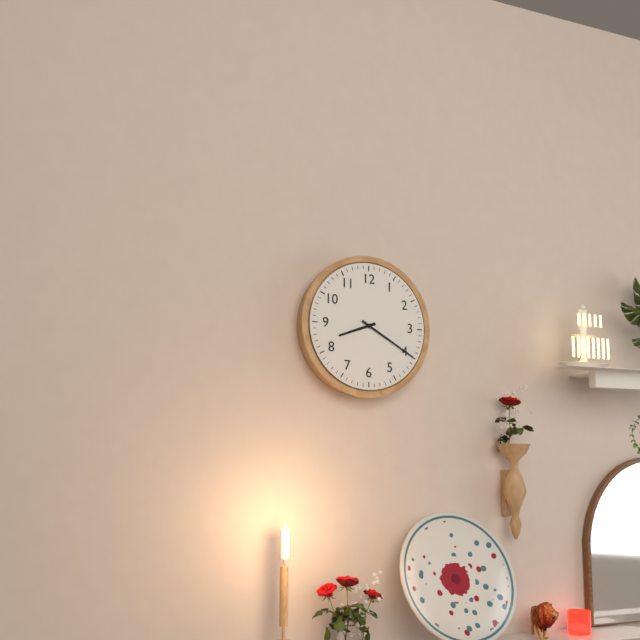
8:20
